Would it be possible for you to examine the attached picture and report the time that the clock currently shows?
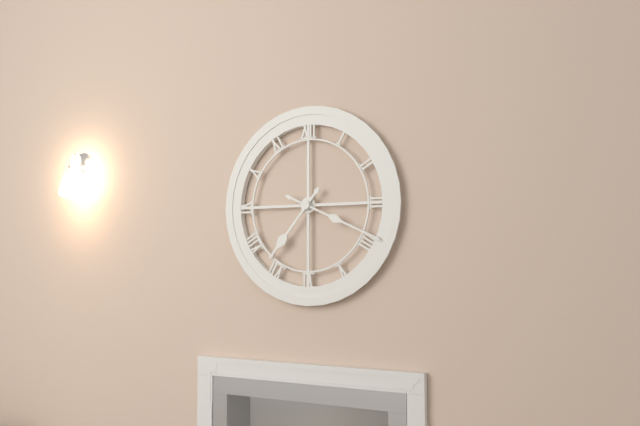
7:19
